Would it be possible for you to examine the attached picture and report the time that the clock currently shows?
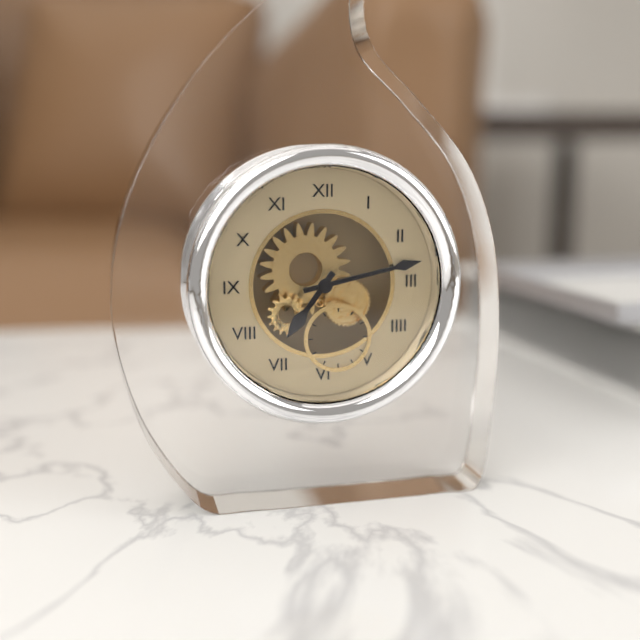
7:13
